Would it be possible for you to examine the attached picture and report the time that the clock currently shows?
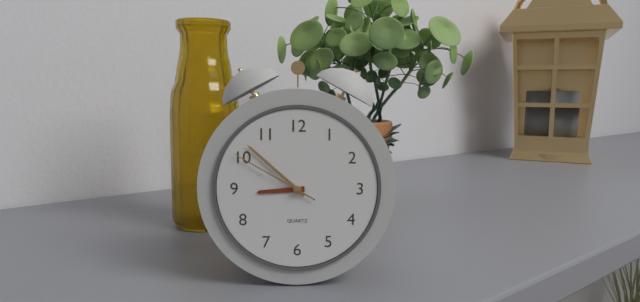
8:52:50
